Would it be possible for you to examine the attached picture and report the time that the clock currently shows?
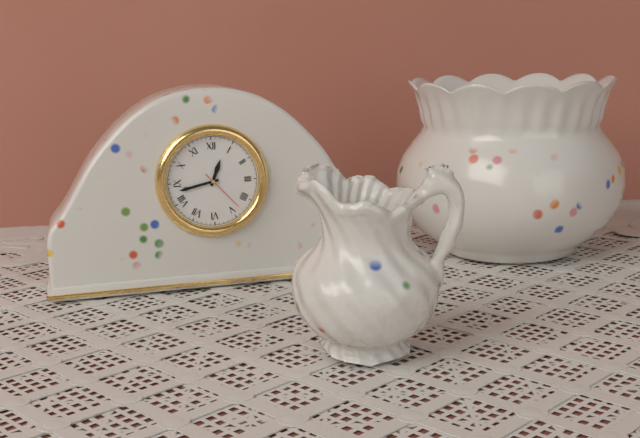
12:43
